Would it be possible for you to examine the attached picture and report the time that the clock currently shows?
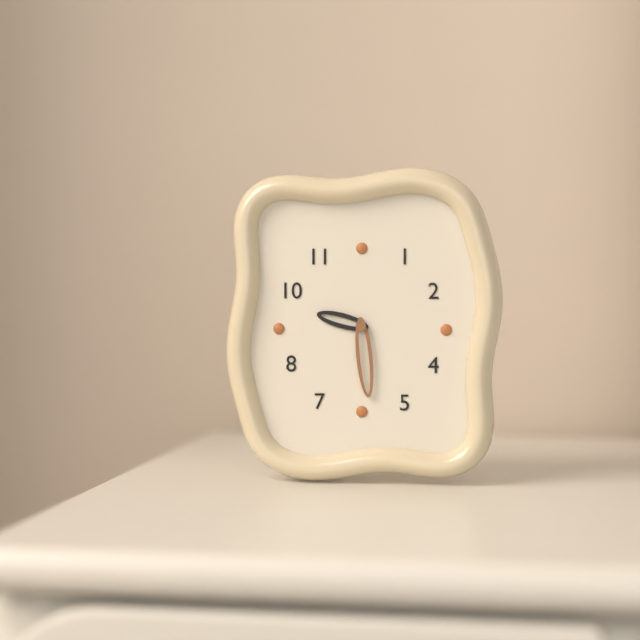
9:29
